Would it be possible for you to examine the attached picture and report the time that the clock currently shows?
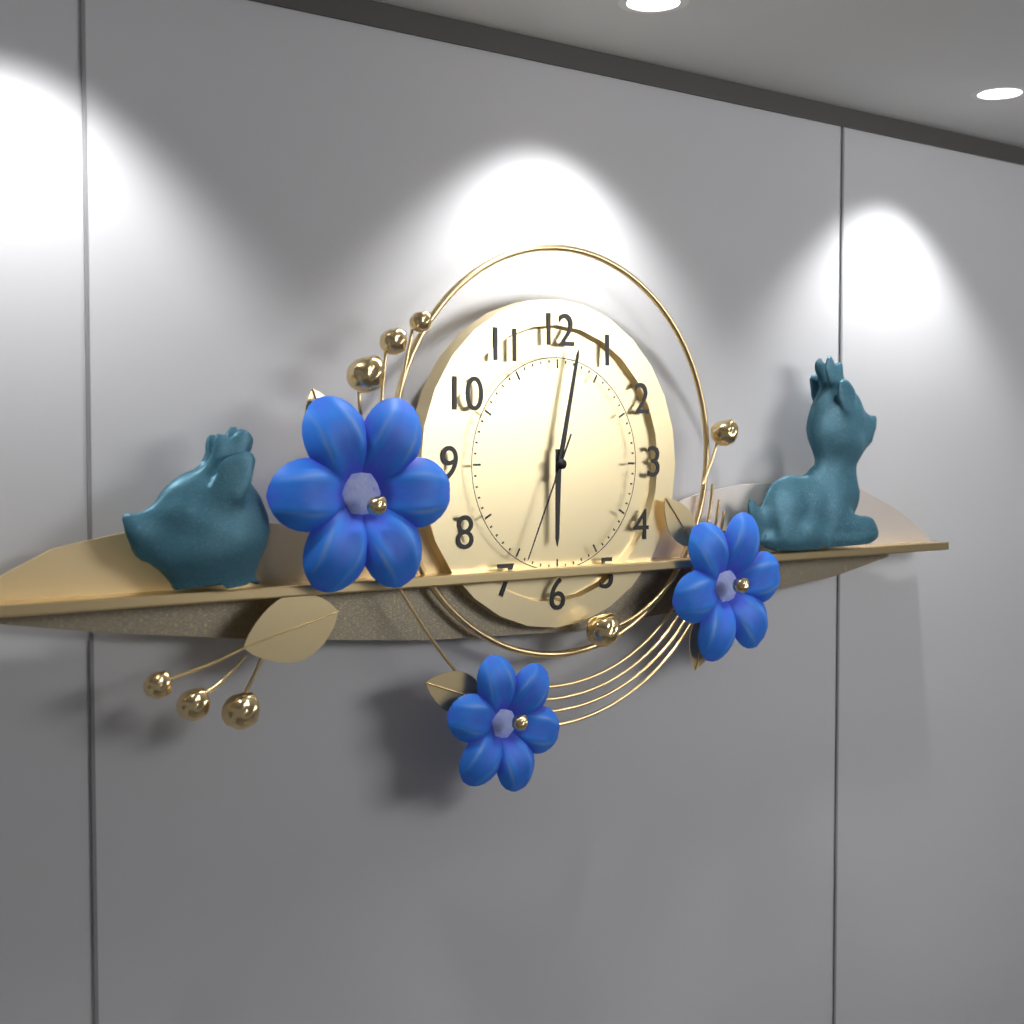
6:02:34
